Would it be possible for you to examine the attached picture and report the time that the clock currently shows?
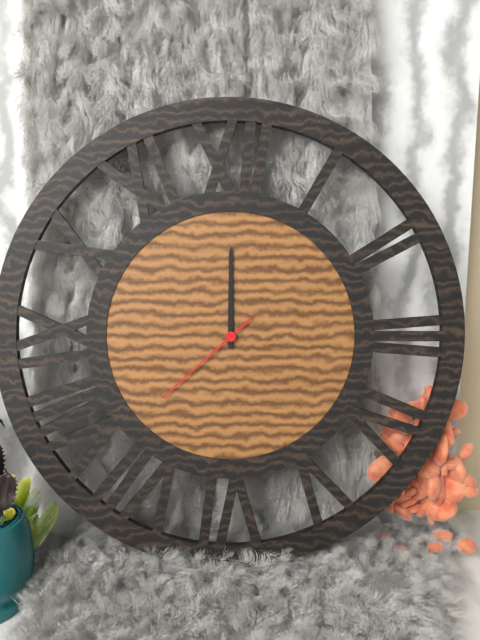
12:00:38
